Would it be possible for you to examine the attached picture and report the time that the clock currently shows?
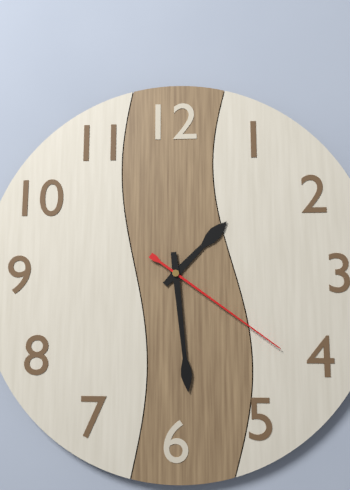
1:29:21
